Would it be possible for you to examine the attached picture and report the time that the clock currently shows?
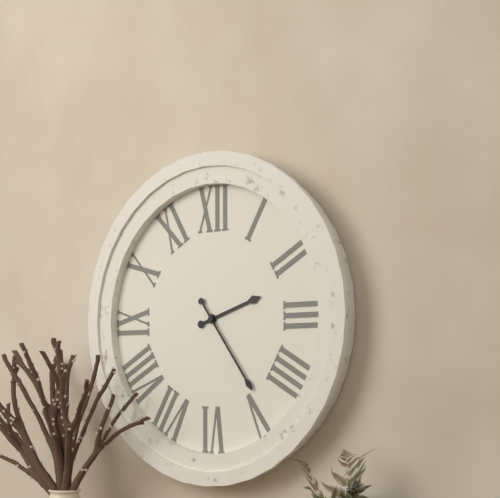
2:24
